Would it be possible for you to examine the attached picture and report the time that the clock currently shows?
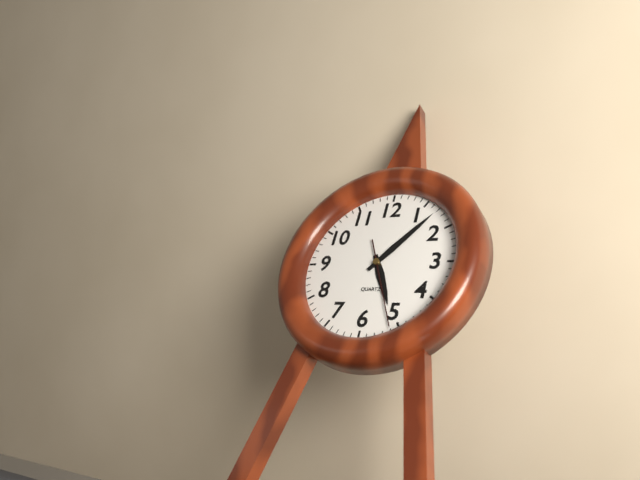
5:07:26
